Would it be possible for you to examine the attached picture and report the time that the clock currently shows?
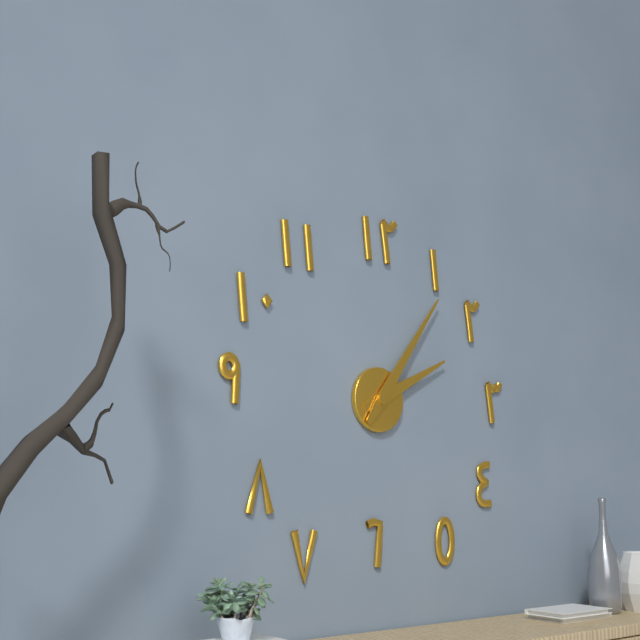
2:06
